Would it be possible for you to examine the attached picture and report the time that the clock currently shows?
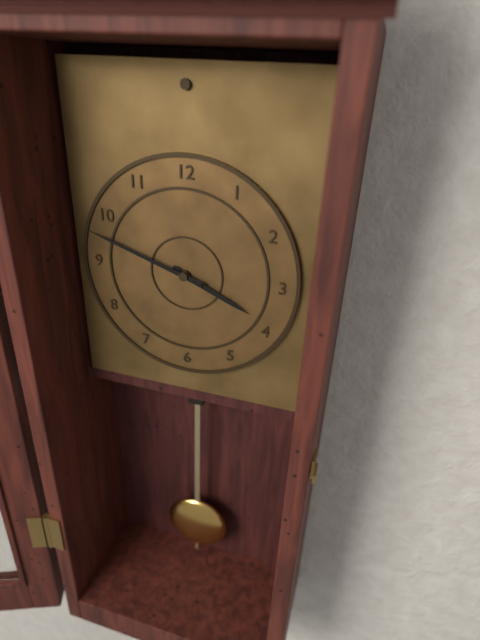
3:48
